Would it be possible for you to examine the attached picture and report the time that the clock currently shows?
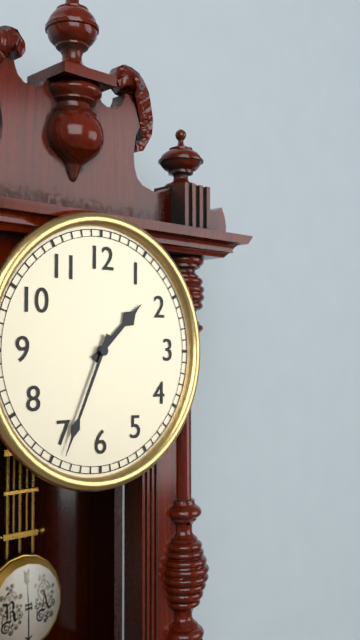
1:34
